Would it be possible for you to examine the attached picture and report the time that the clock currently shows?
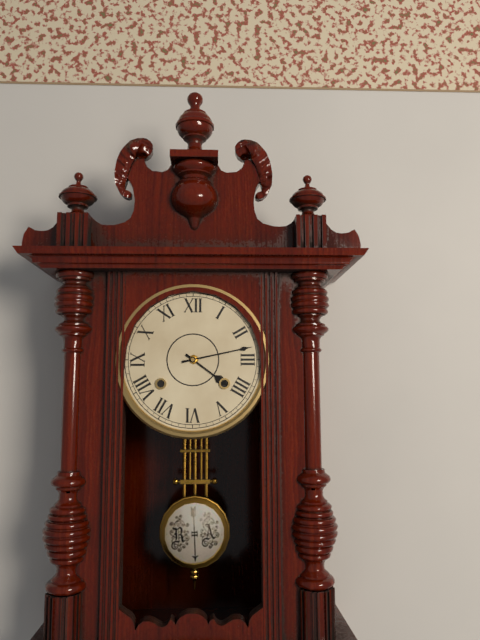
4:13
